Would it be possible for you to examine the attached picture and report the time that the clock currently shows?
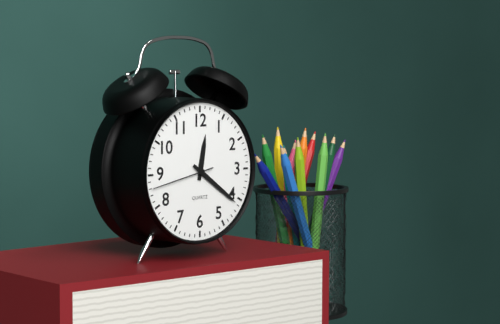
12:21:43
